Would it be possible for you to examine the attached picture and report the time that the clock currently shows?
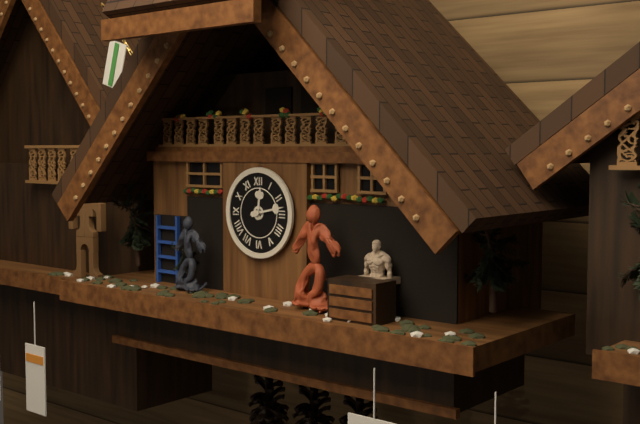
12:13
